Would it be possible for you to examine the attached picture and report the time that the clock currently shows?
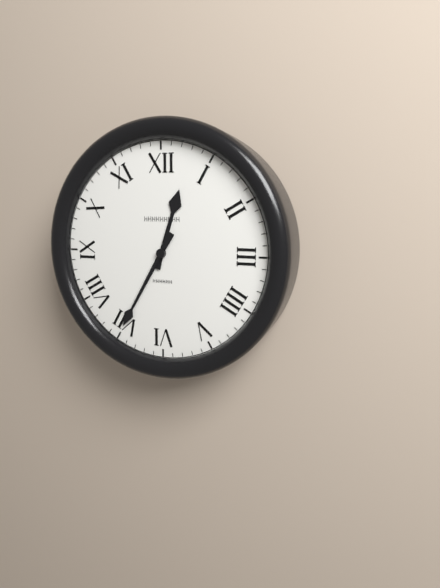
12:35
